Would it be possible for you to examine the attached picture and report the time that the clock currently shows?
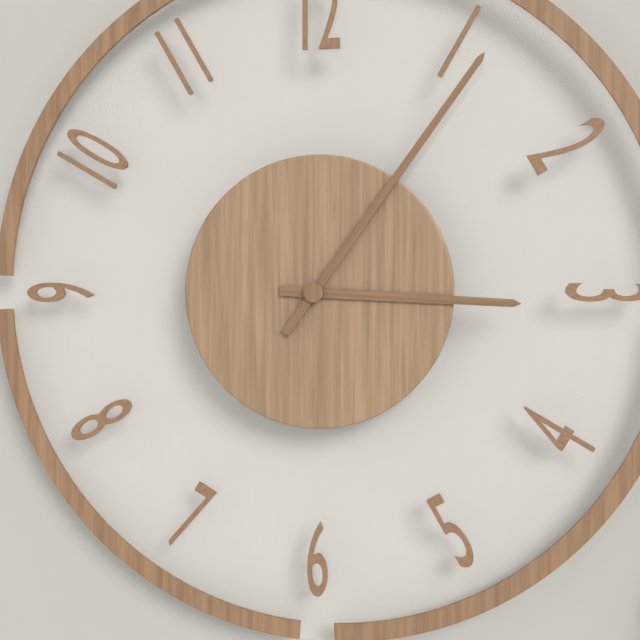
3:06
